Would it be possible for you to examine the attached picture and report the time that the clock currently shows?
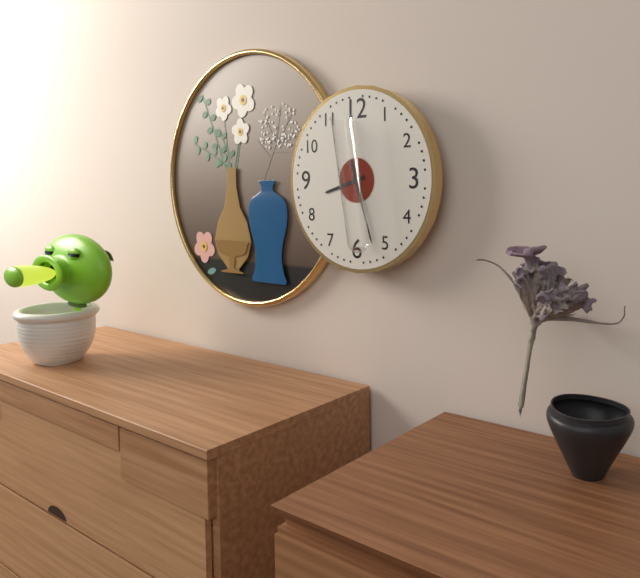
8:27
